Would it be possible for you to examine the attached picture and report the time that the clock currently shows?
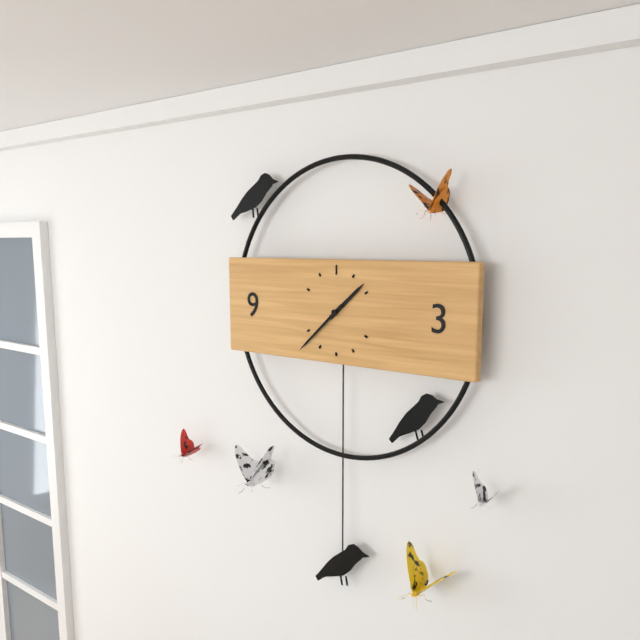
1:38
